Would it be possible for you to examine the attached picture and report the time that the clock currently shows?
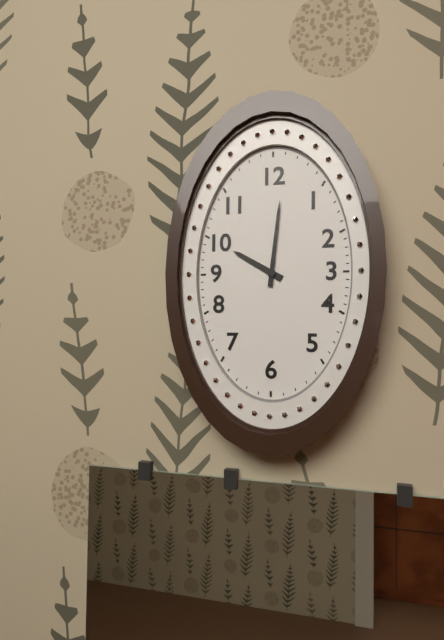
10:01
